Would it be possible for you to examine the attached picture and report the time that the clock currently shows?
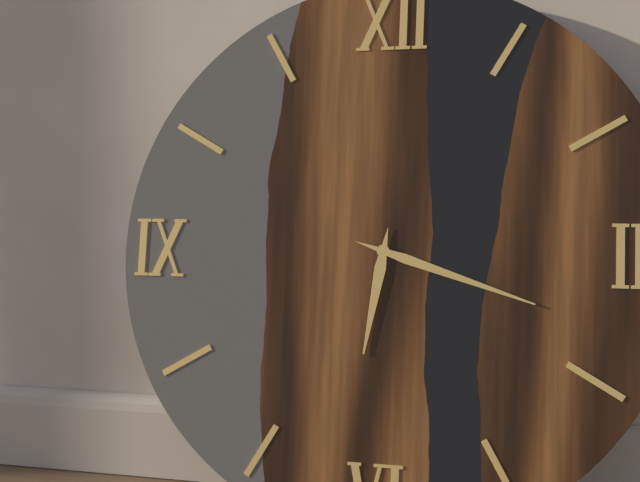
6:18
